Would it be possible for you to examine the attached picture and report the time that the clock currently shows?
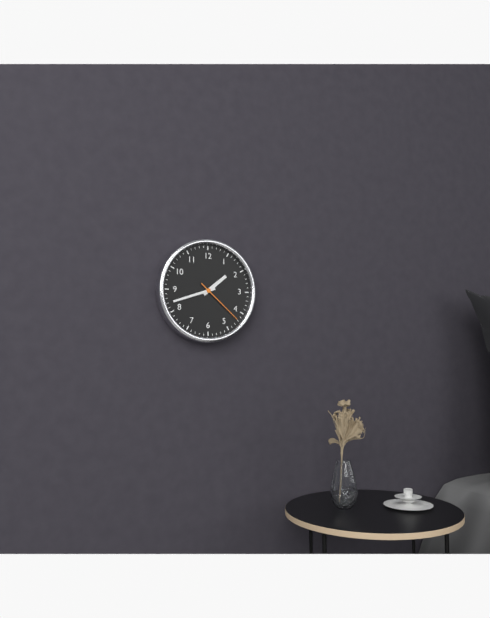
1:42:22
